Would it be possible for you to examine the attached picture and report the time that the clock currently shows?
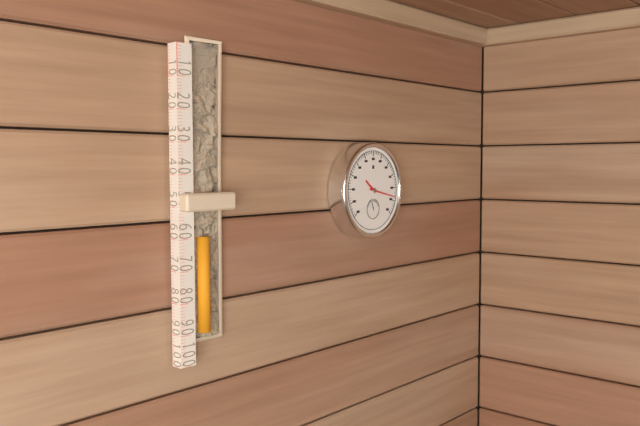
10:17
